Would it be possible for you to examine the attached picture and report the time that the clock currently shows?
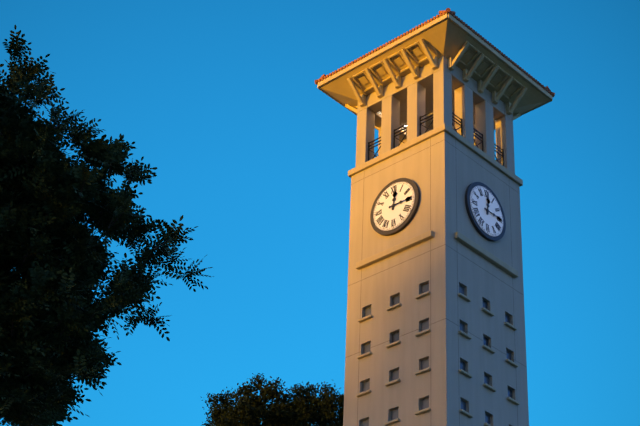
12:15
